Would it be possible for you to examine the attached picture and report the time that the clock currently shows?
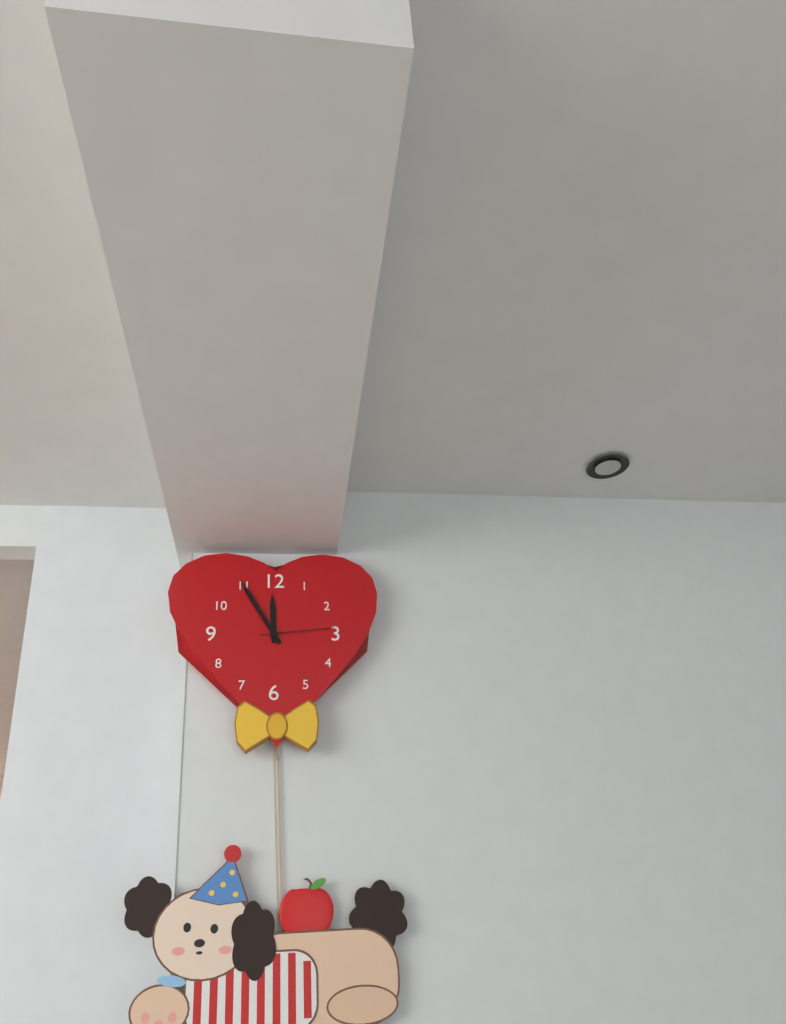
11:55:14
